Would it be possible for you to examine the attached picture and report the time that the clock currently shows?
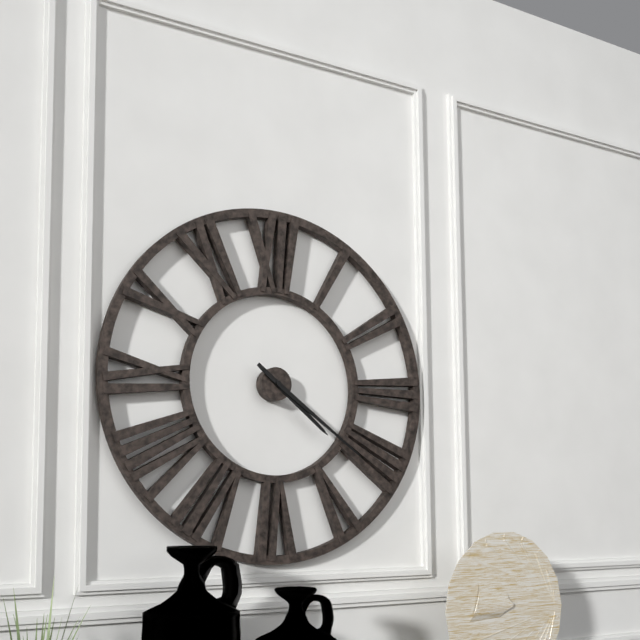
4:21
